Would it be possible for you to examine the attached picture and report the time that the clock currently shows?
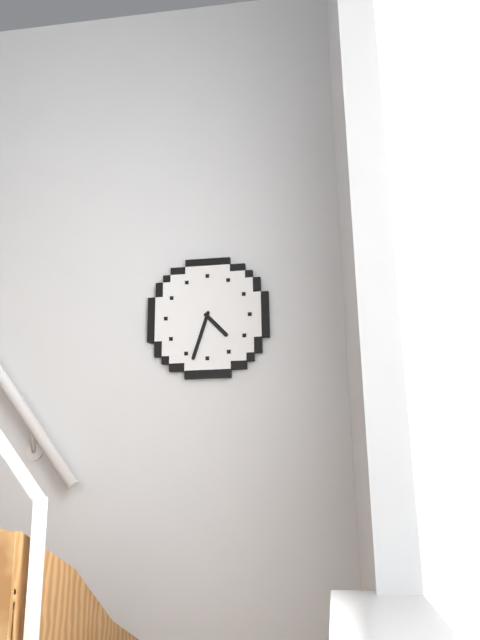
4:33
